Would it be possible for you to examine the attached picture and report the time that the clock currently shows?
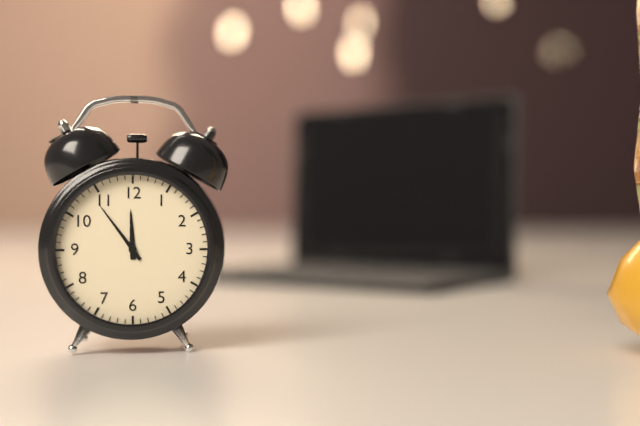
11:54
